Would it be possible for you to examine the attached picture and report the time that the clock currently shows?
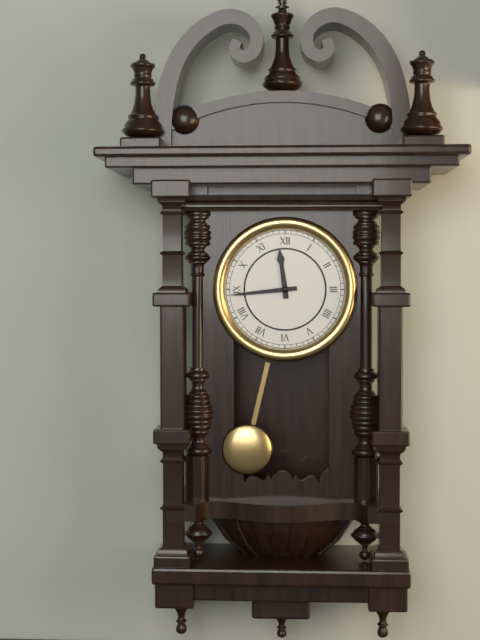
11:44
